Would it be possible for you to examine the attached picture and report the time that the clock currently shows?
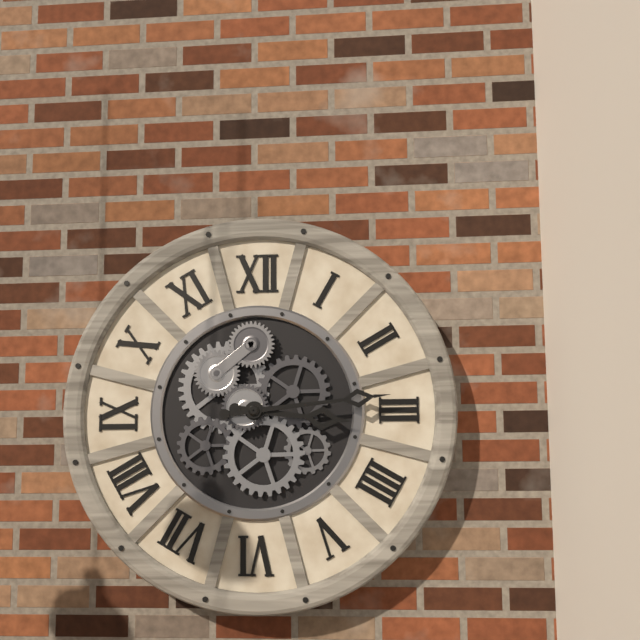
3:14
